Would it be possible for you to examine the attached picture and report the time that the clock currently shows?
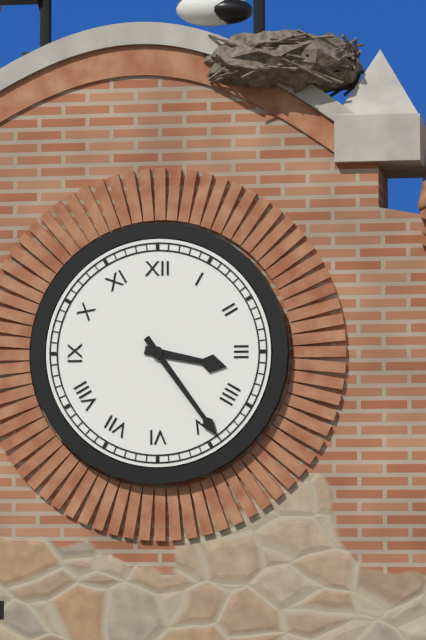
3:24
